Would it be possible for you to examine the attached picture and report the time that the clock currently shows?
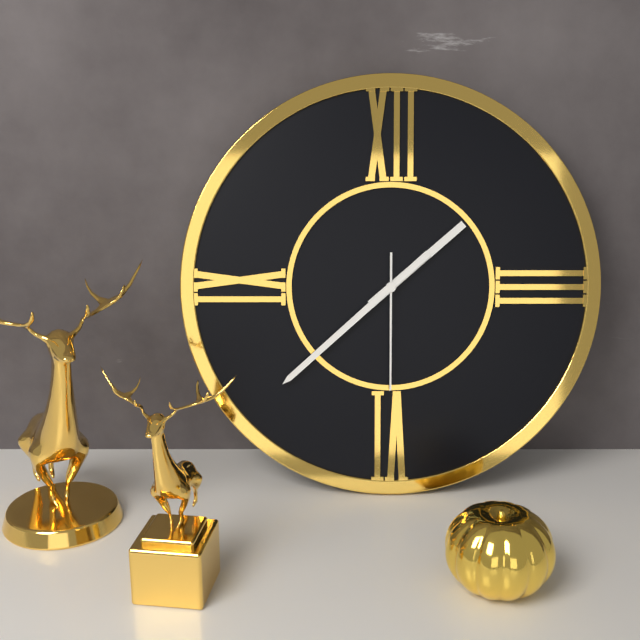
1:38:30
